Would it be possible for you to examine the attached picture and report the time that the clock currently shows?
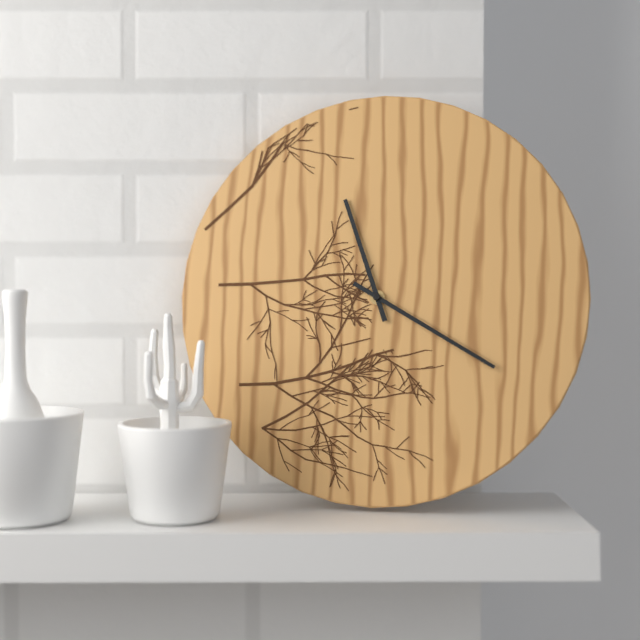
11:20
